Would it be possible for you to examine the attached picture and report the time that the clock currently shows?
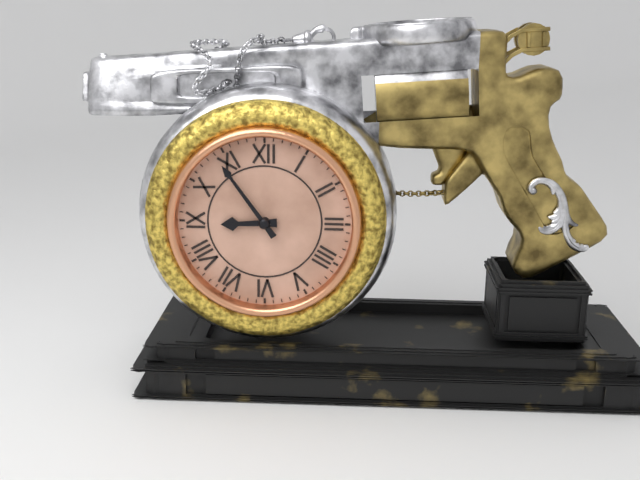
8:54
